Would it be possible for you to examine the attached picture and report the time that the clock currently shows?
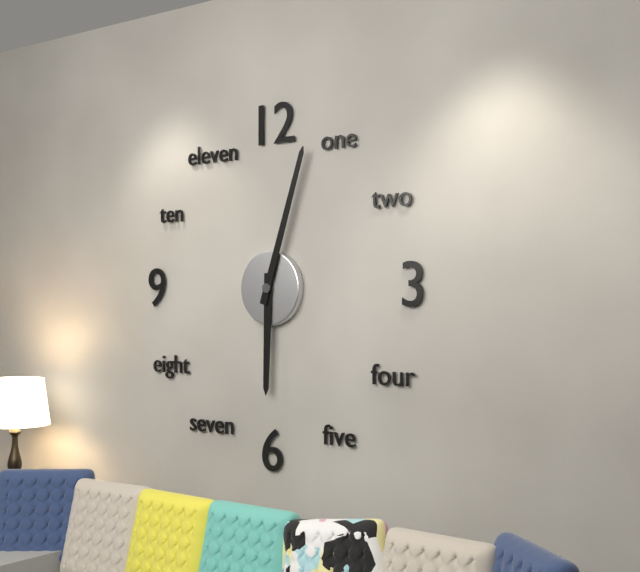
6:03
